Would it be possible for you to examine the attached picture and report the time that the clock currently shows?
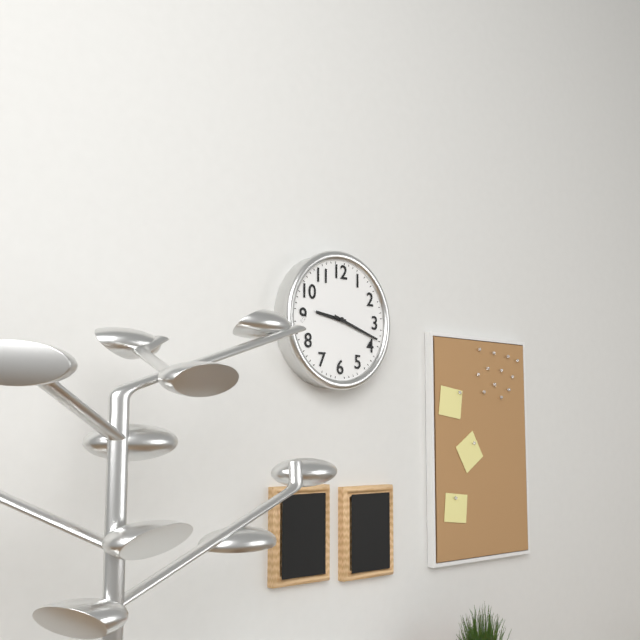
9:18
